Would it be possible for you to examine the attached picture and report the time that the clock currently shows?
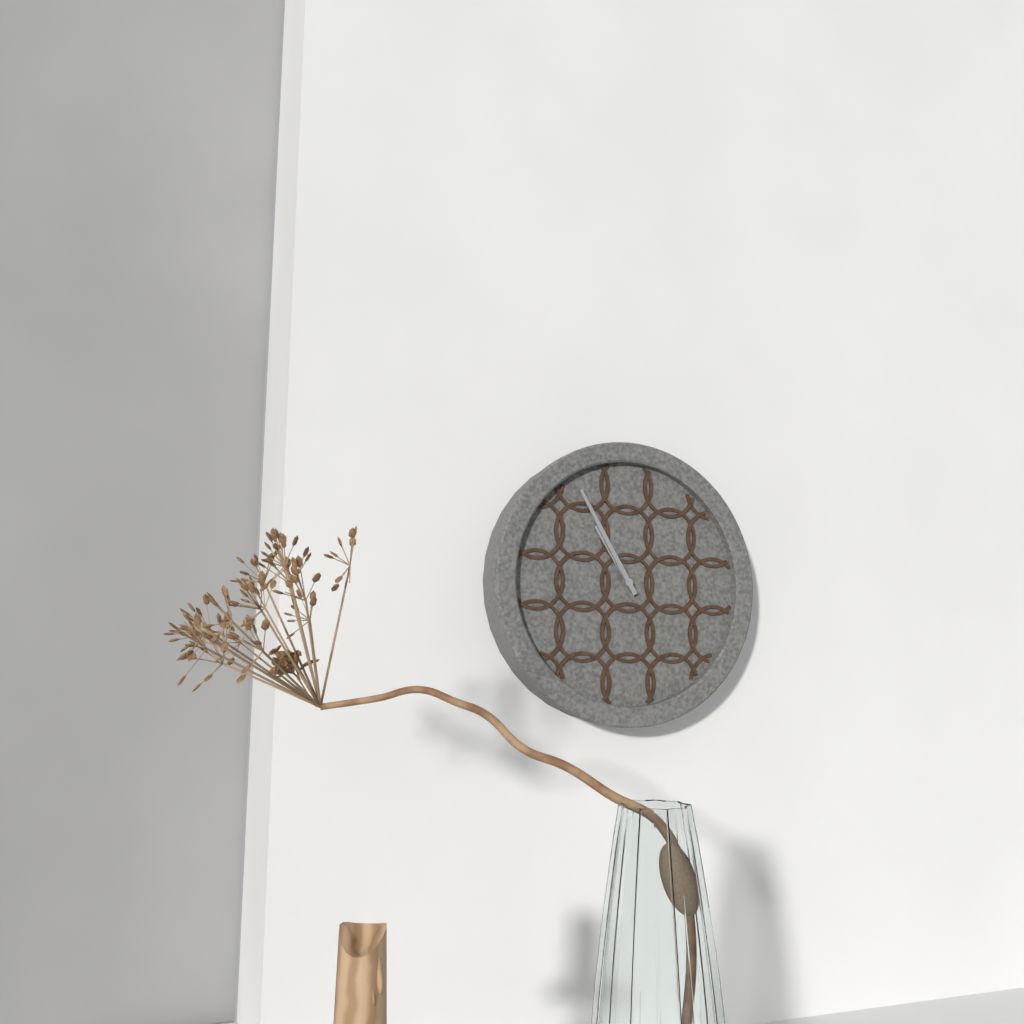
10:55
